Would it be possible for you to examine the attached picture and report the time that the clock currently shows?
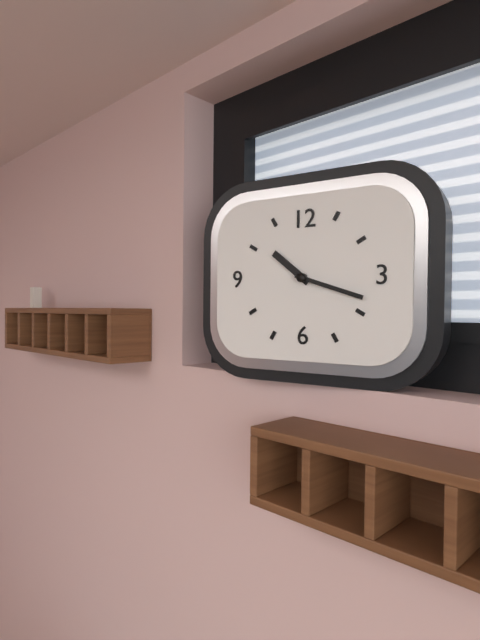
10:18
